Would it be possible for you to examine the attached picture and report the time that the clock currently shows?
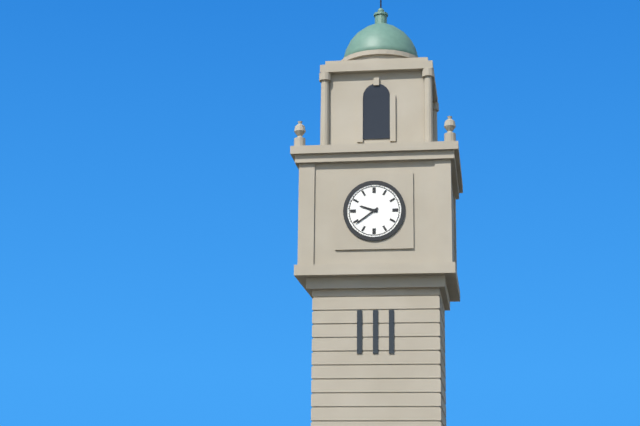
9:39
